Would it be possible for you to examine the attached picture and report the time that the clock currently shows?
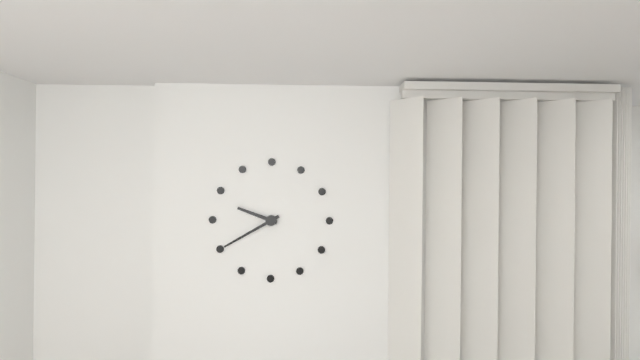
9:40
